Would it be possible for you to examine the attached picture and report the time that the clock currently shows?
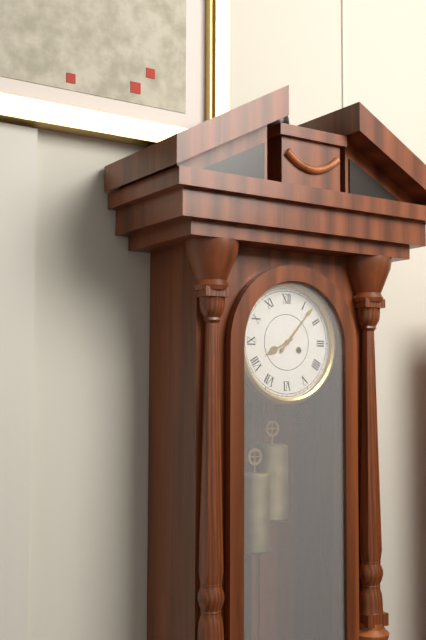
8:07
